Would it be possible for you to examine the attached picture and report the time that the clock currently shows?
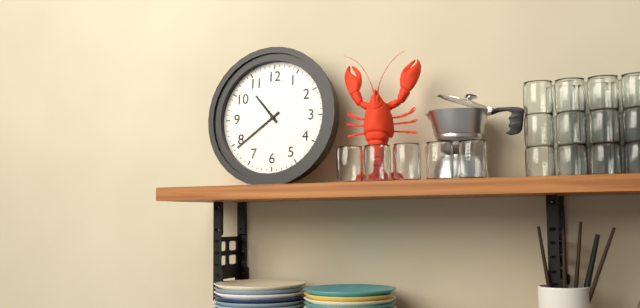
10:39
